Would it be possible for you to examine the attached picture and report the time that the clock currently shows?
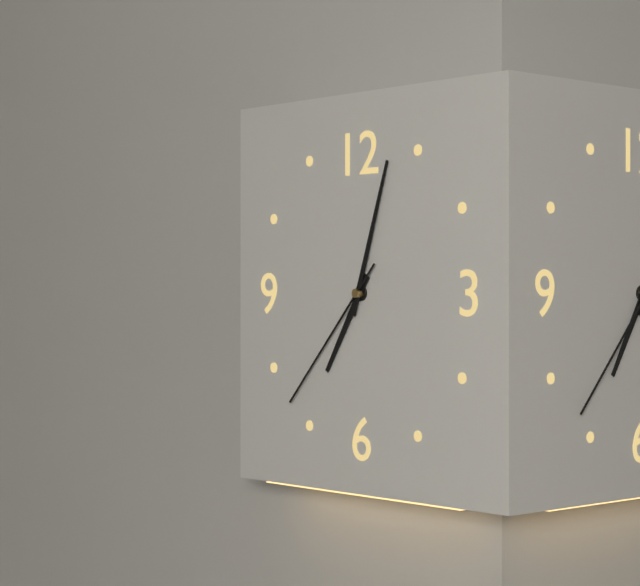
7:03:37
